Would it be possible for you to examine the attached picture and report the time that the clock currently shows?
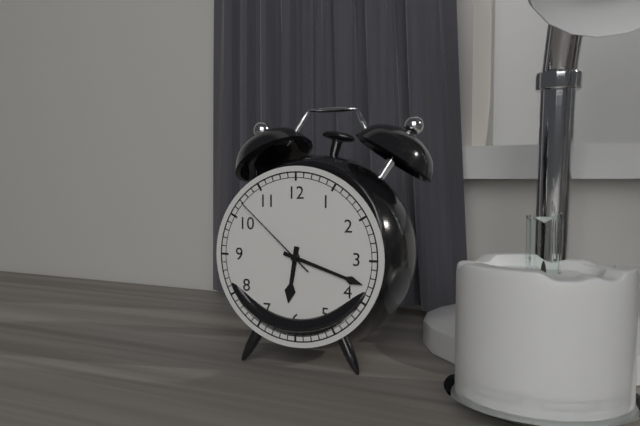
6:18:52
